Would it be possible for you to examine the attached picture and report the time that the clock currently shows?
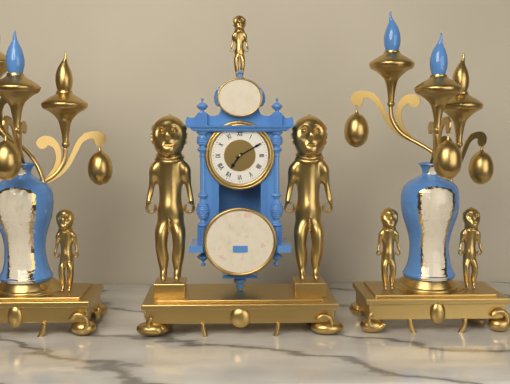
7:10
